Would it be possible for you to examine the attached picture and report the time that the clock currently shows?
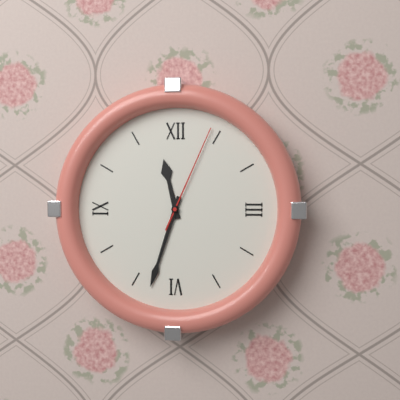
11:33:04
